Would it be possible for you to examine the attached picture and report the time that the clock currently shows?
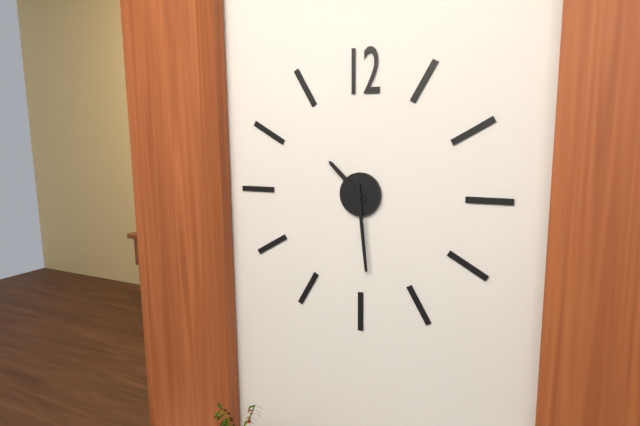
10:29
